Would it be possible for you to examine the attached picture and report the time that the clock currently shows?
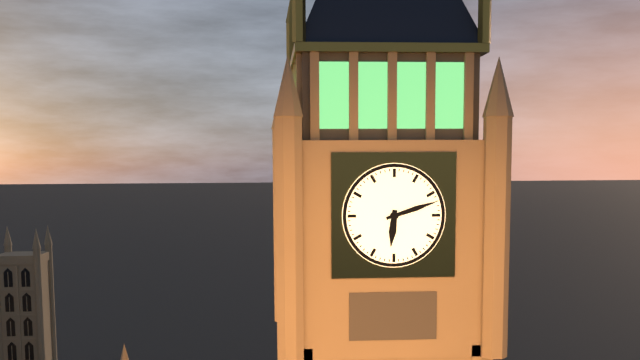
6:12
